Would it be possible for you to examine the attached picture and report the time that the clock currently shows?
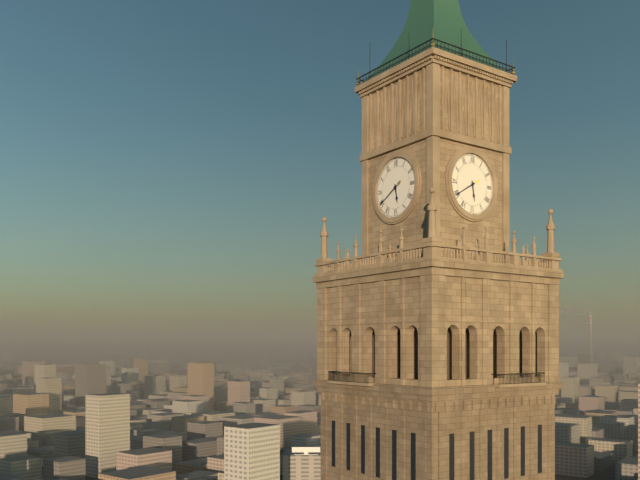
5:40
